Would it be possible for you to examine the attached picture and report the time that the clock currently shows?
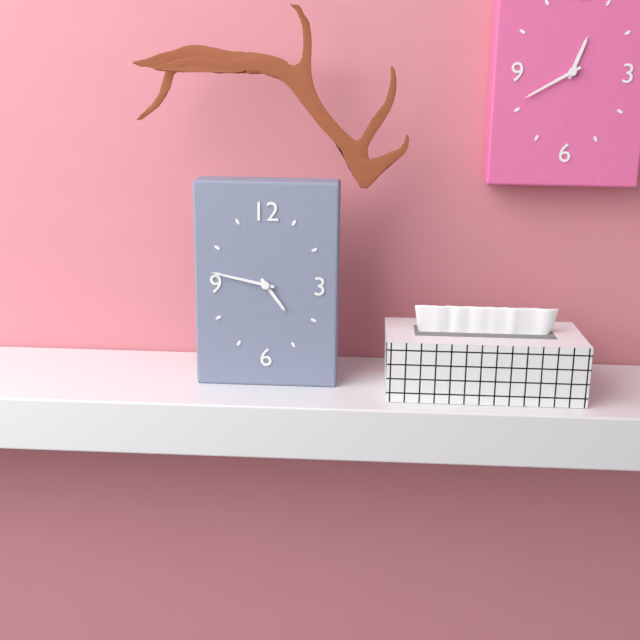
4:47
